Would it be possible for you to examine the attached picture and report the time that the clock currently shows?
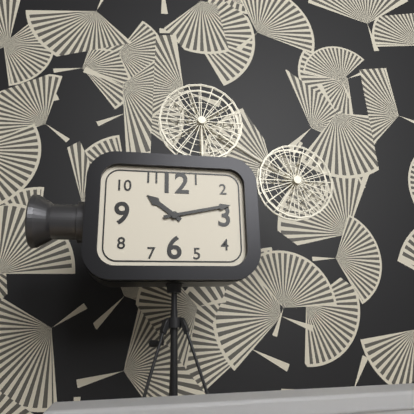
10:13
